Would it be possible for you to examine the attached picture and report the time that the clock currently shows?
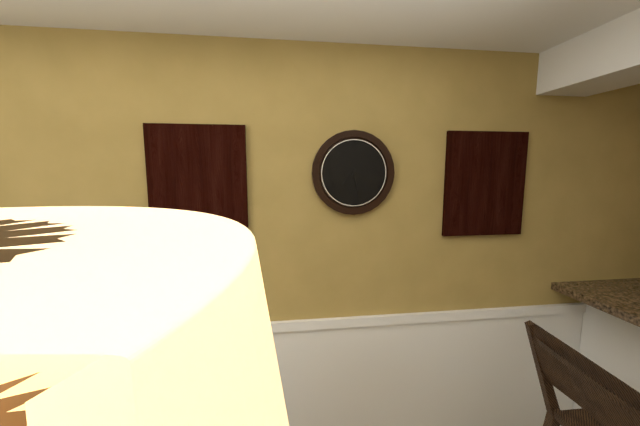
7:28
